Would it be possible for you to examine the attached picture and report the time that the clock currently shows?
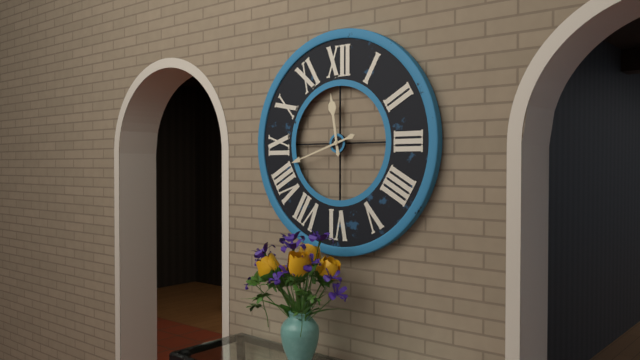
11:42
